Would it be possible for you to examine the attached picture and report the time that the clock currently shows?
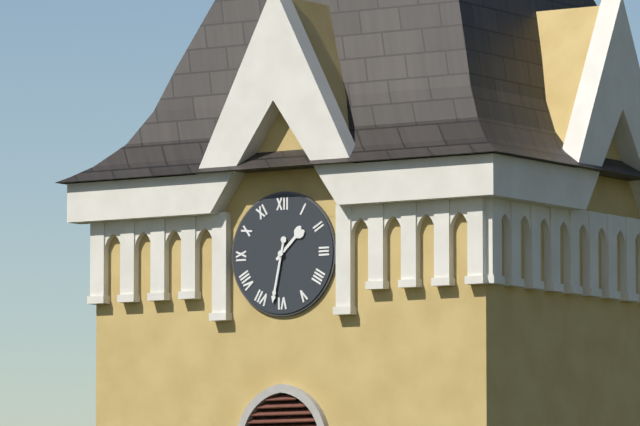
1:32
